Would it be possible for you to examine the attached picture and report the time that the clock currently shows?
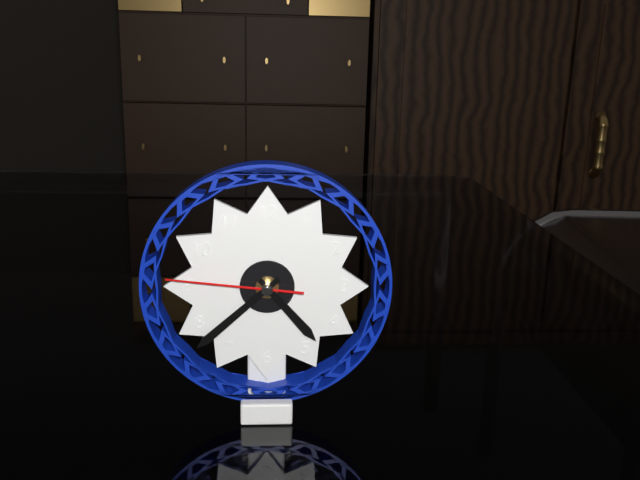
4:38:46
